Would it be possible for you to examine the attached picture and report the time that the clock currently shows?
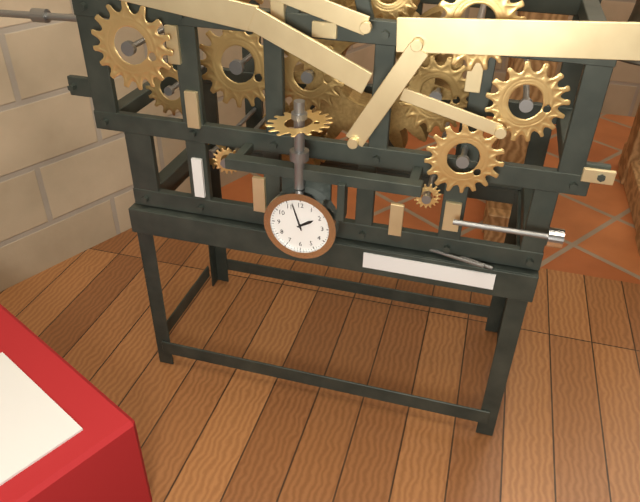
1:57
